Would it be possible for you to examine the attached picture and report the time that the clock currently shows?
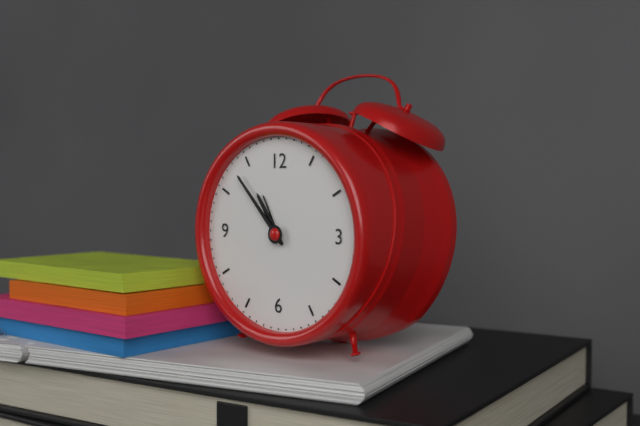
10:53
